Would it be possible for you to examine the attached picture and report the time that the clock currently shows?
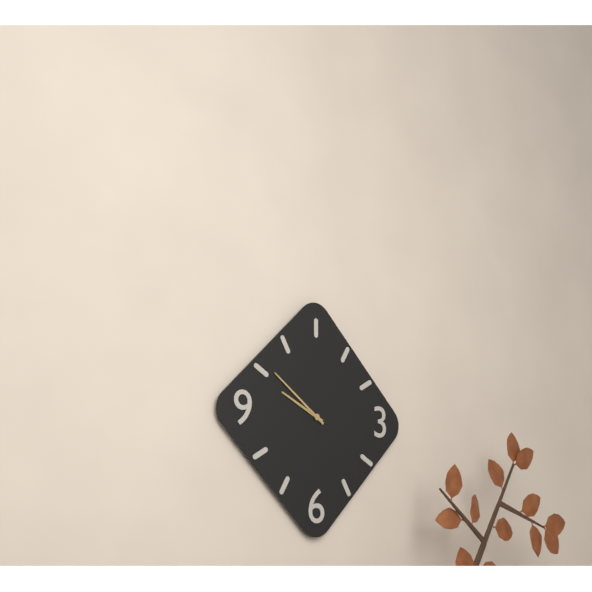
9:51
